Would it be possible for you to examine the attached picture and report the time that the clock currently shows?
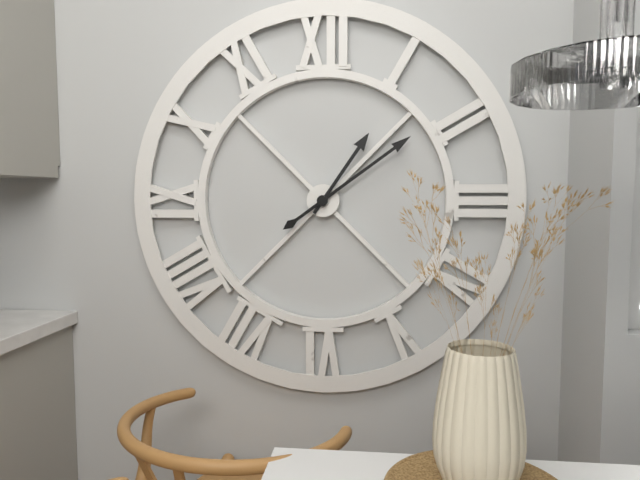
1:09
